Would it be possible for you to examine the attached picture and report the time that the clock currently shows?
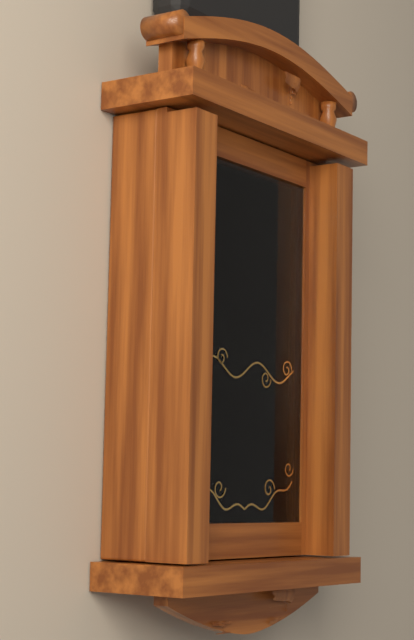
8:06:02
